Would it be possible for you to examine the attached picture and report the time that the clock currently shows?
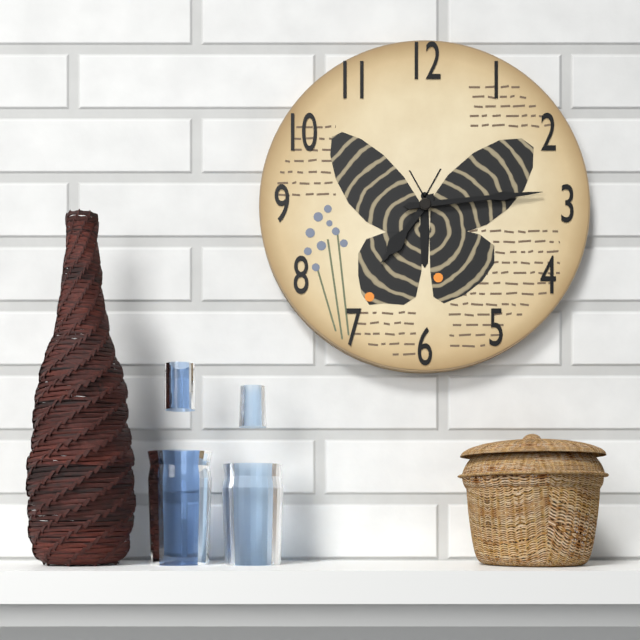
7:14
